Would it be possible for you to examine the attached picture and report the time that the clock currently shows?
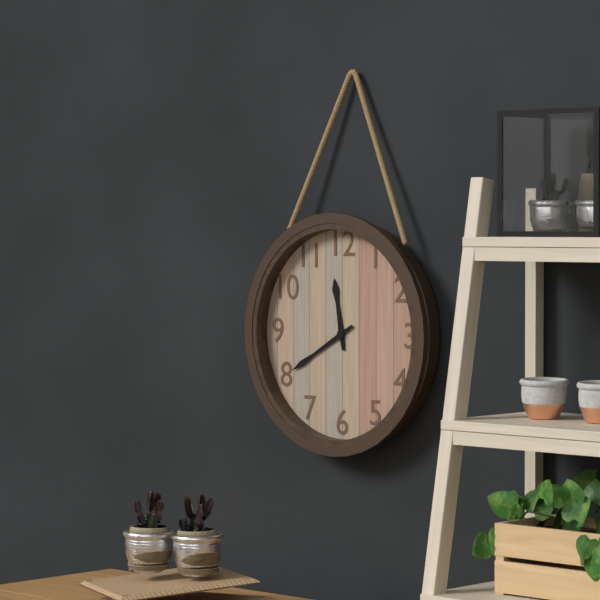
11:40
